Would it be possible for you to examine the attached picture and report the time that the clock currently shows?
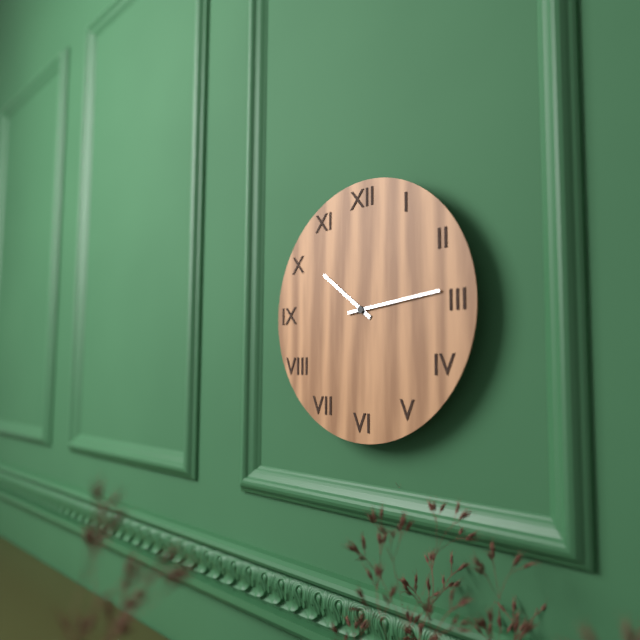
10:14
